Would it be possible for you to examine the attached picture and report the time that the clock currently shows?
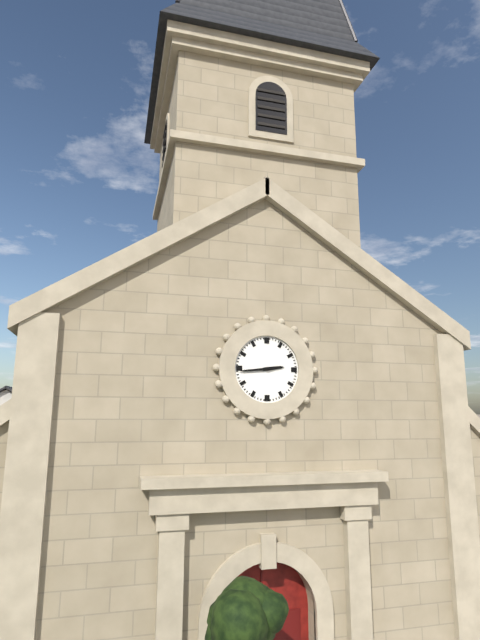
2:44
